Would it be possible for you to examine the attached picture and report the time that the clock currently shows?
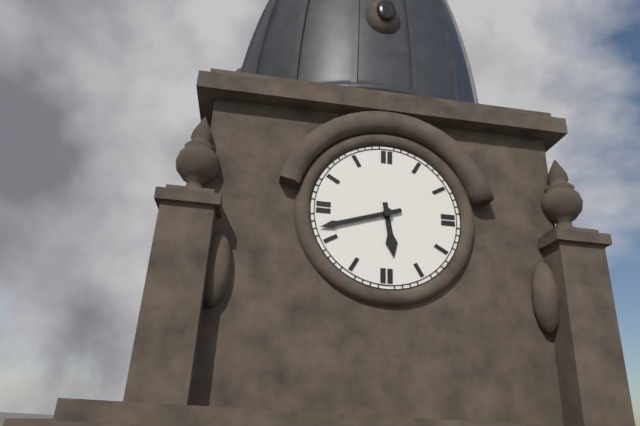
5:42
